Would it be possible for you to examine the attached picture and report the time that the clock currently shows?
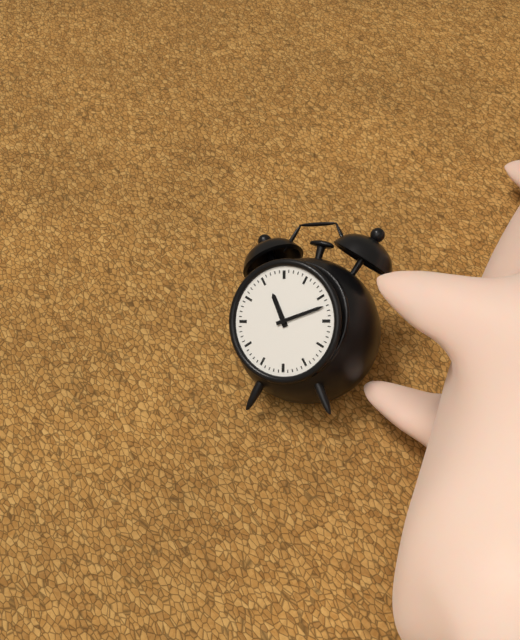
11:12
